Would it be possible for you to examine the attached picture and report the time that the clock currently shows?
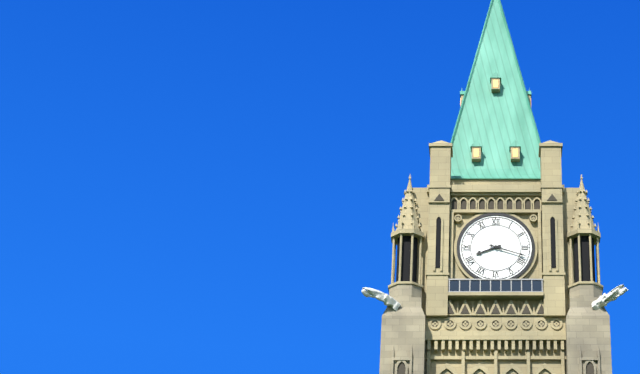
8:18
